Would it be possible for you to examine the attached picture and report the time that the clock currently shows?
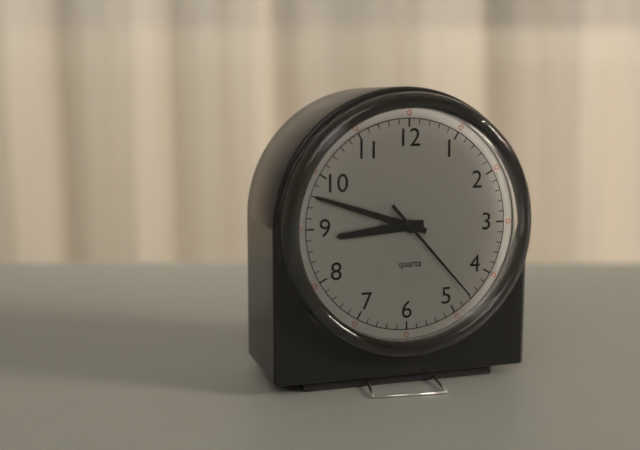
8:48:23
